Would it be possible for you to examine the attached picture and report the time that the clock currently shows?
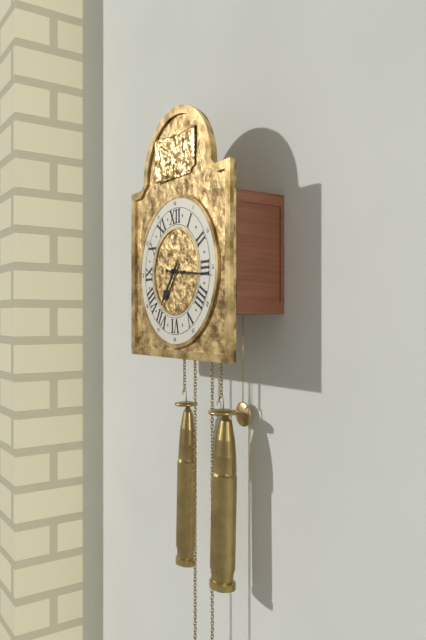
7:16
